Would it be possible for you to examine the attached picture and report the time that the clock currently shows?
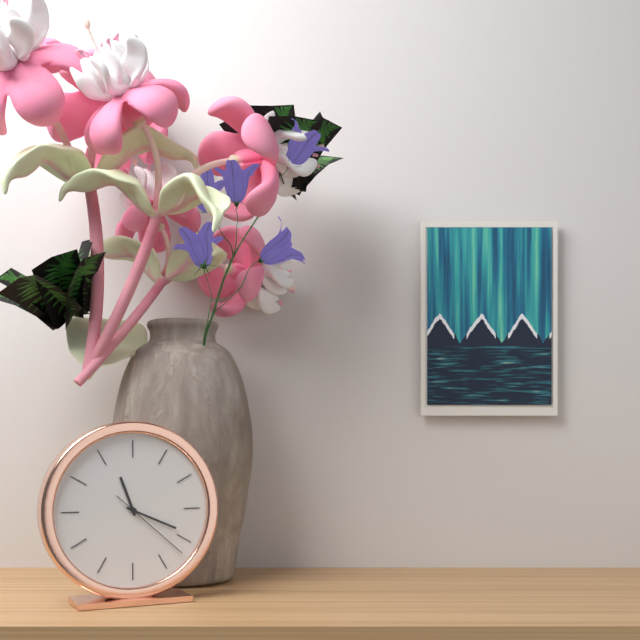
11:19:22
